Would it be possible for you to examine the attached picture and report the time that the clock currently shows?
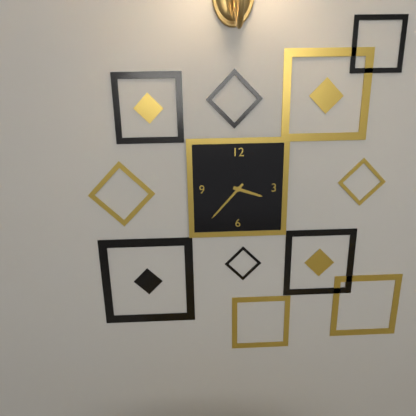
3:37
